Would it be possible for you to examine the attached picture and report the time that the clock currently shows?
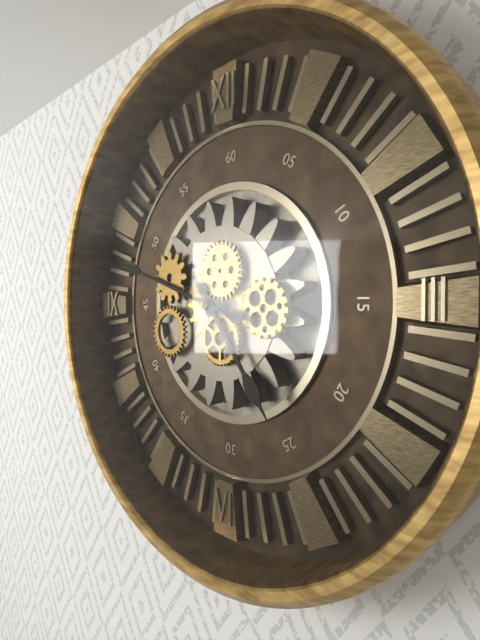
4:48
